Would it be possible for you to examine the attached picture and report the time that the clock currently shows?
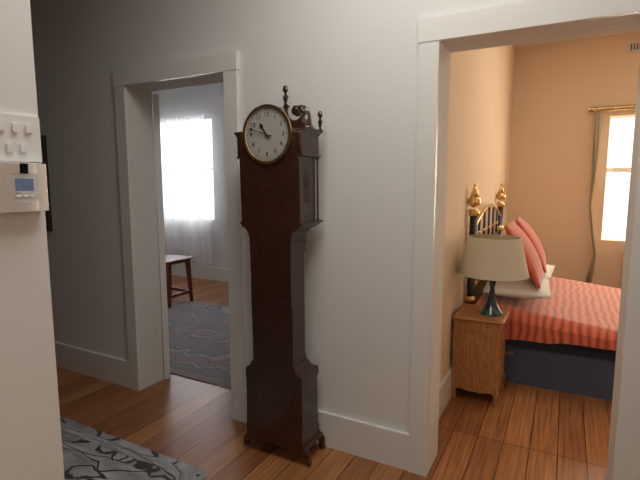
10:48
